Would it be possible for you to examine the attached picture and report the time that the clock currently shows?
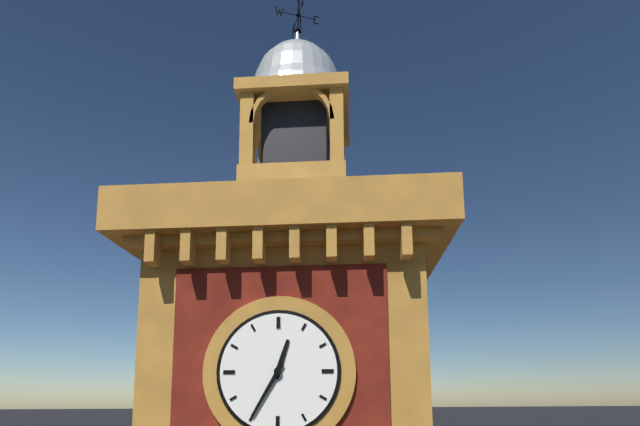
12:35
